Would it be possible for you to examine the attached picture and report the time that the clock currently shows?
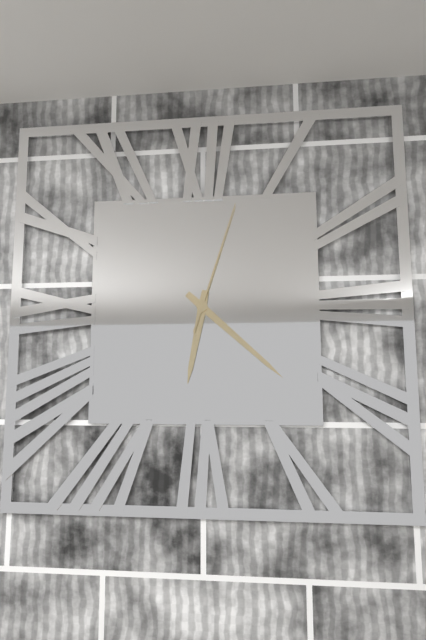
6:22:03
